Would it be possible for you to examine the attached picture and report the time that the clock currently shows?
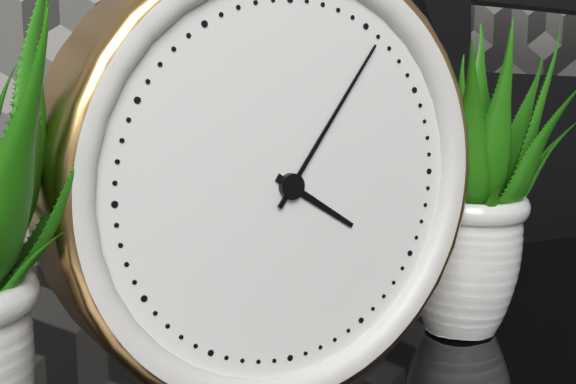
4:06
